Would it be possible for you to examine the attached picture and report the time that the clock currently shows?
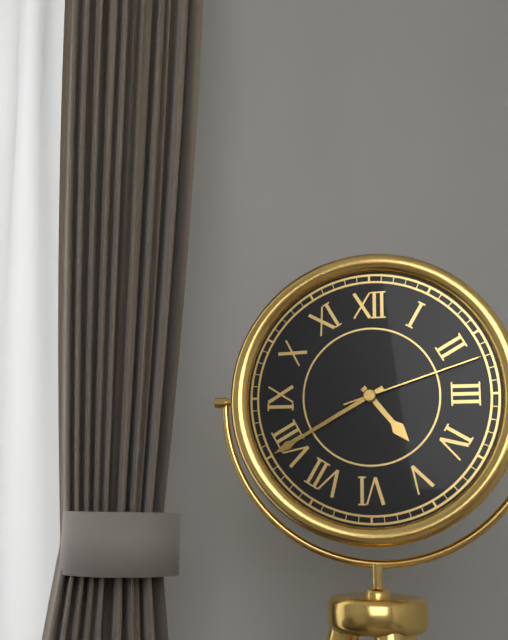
4:40:12
